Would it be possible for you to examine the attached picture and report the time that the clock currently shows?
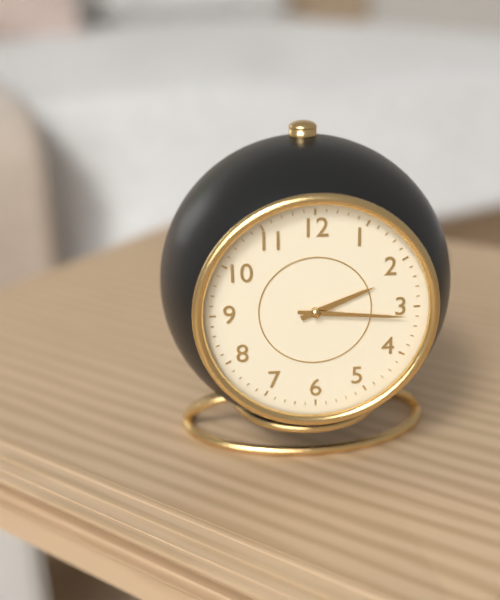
2:16
